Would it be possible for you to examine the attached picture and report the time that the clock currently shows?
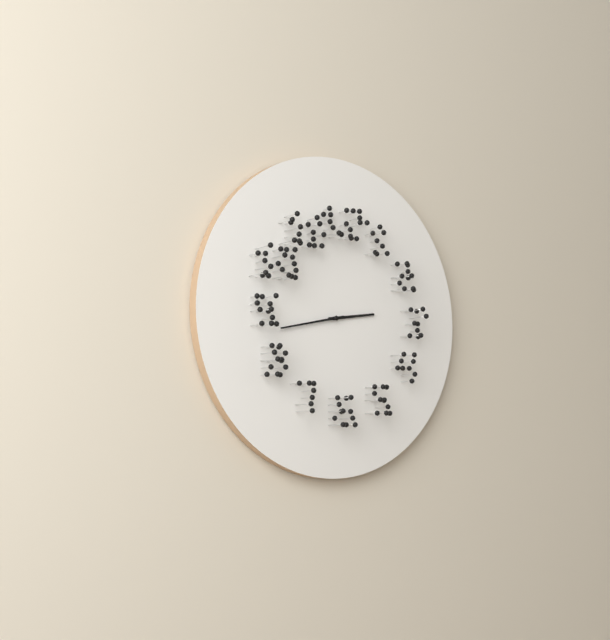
2:43
